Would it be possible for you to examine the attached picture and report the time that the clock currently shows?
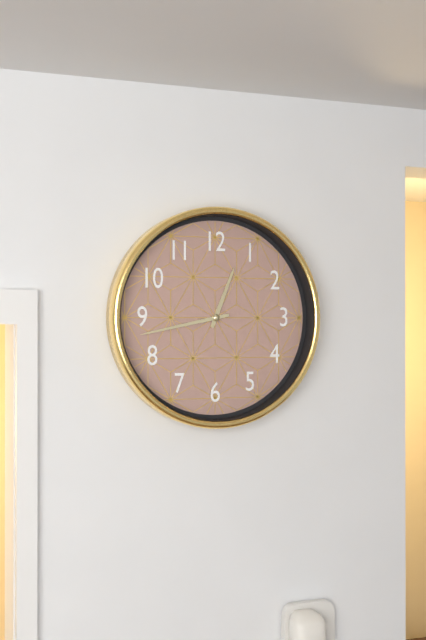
12:43
